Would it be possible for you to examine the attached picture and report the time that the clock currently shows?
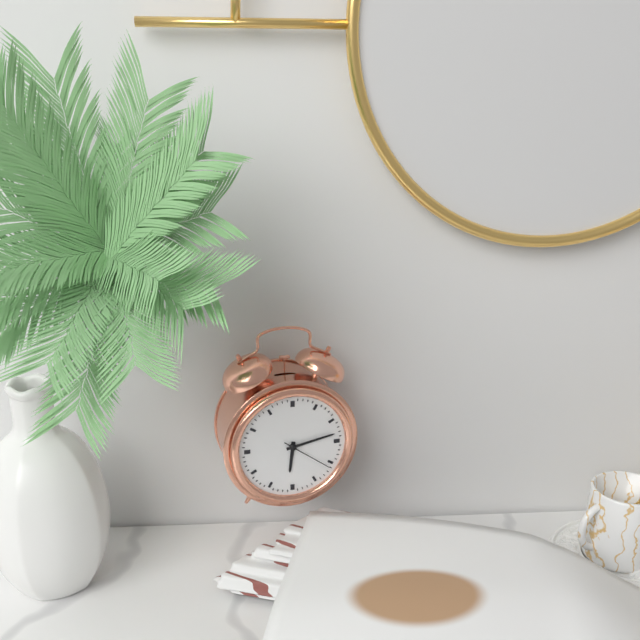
6:13:21
